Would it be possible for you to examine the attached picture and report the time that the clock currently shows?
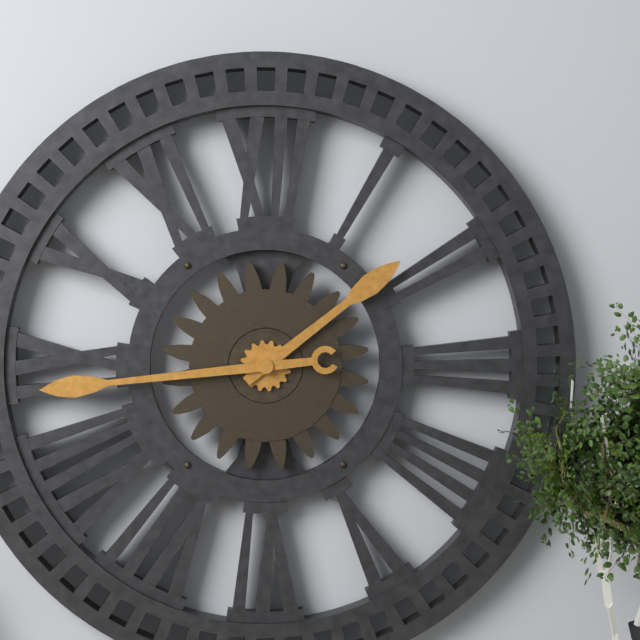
1:44
